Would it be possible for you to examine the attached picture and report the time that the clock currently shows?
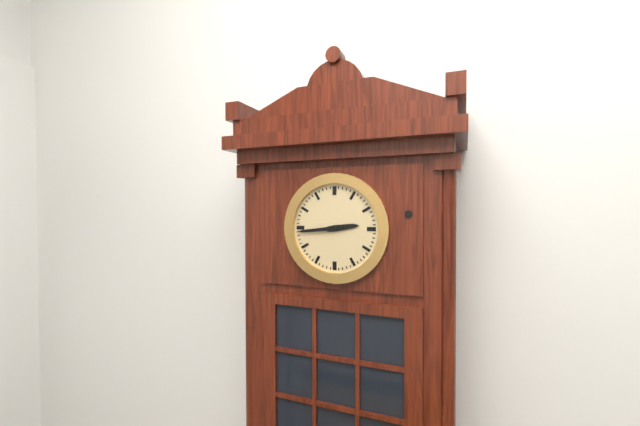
2:44
